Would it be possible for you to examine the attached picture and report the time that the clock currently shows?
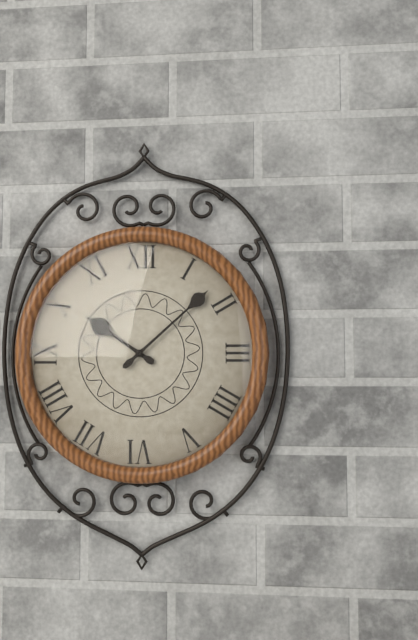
10:08
